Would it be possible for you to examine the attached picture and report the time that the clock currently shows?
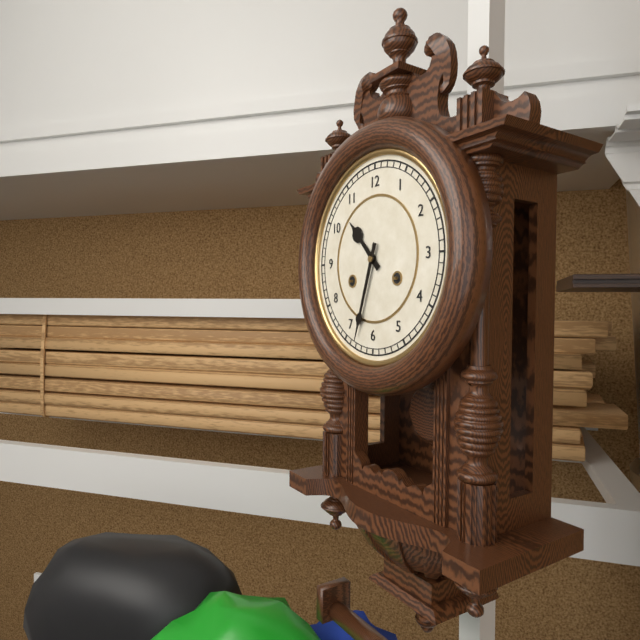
10:33
